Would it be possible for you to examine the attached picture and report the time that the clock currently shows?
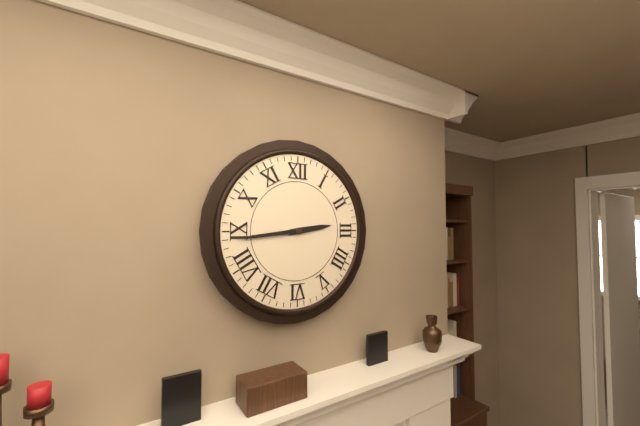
2:44
